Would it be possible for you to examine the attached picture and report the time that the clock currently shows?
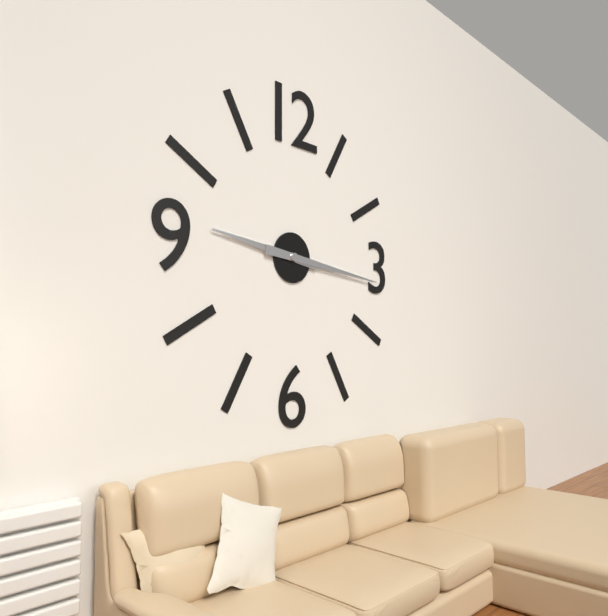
9:16
